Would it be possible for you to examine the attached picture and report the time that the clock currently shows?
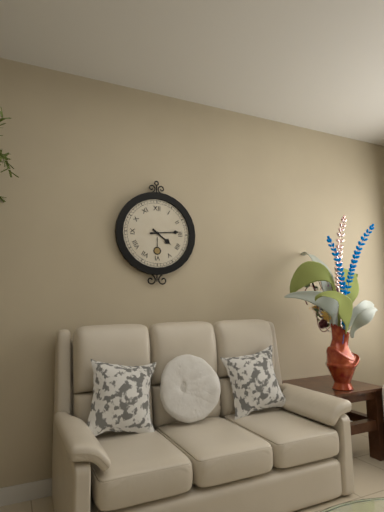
4:14
